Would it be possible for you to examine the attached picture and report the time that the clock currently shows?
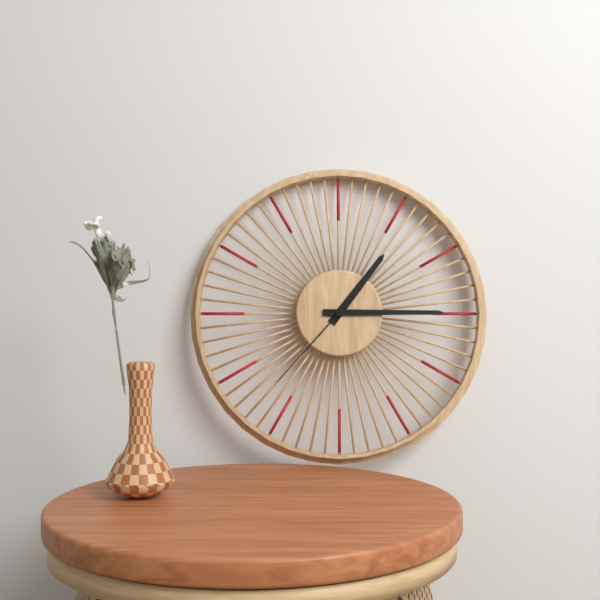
1:15:37
